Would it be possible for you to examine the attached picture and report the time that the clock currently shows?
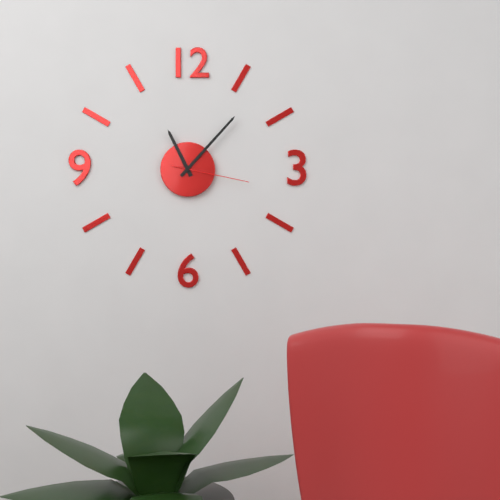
11:07:17
